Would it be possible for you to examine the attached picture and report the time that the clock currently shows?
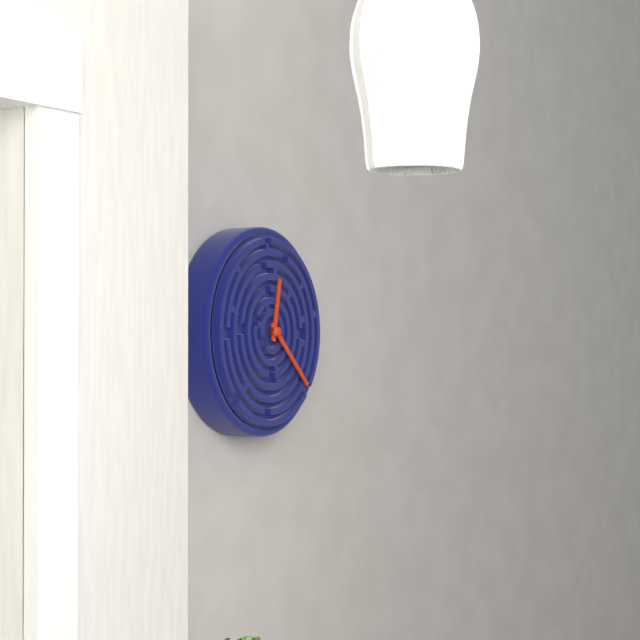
12:22
